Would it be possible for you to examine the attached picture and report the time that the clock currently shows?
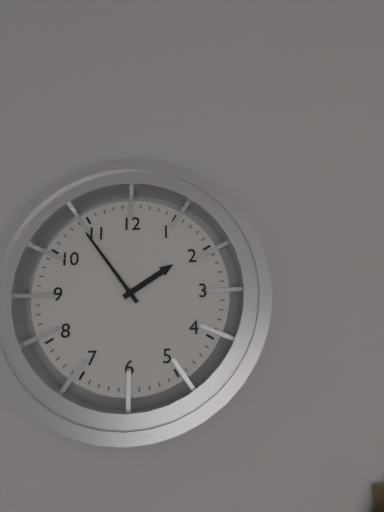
1:54
